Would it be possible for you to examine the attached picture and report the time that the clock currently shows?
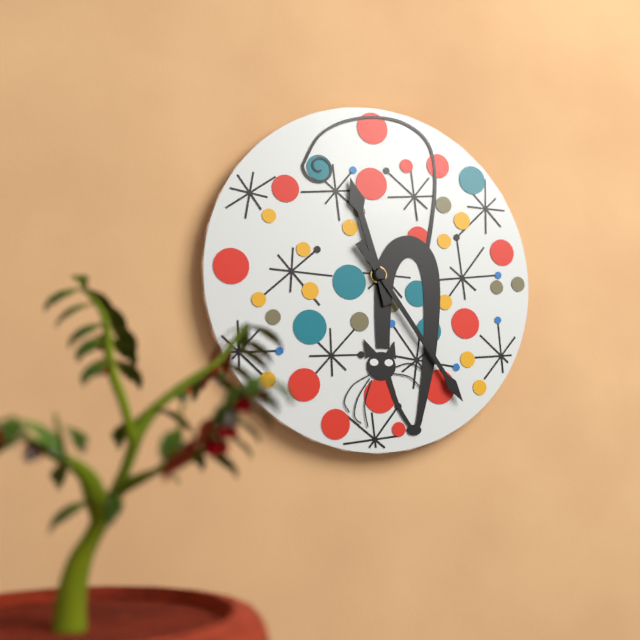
11:24
